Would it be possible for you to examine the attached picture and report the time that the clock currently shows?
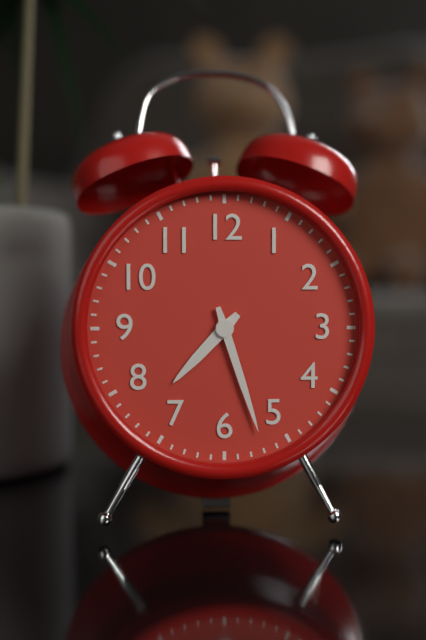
7:27
